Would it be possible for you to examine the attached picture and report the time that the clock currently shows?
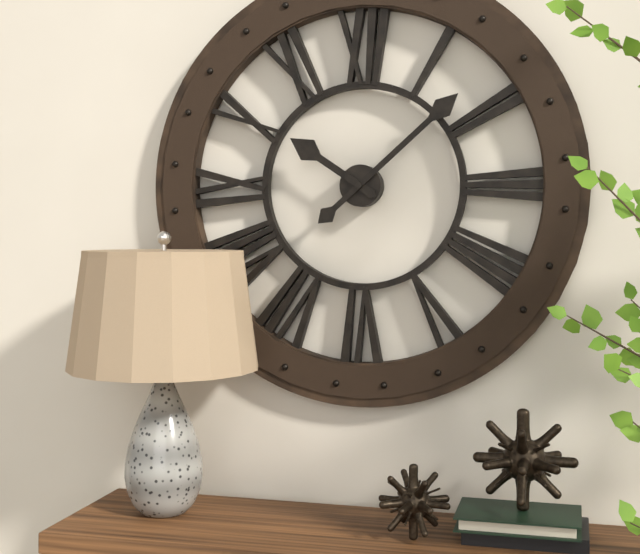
10:08
